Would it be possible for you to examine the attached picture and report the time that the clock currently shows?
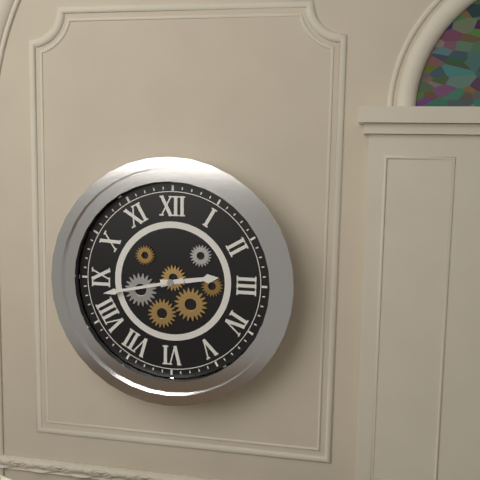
2:43
